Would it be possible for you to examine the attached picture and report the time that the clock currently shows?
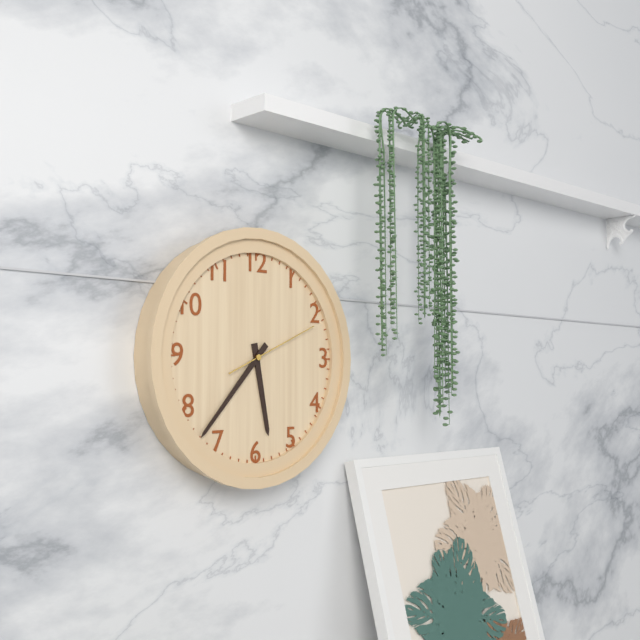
5:37:11
